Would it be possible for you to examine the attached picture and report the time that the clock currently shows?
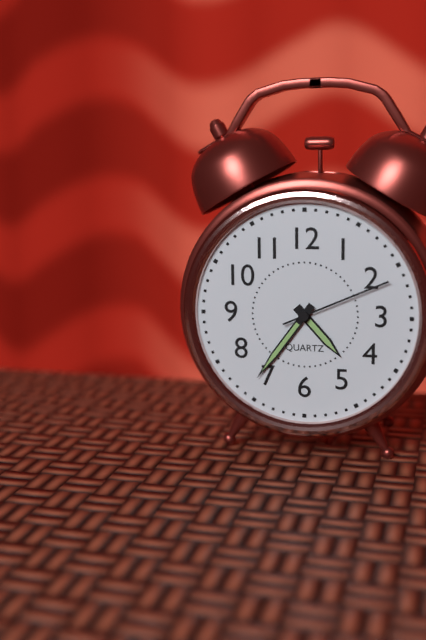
4:36:11
